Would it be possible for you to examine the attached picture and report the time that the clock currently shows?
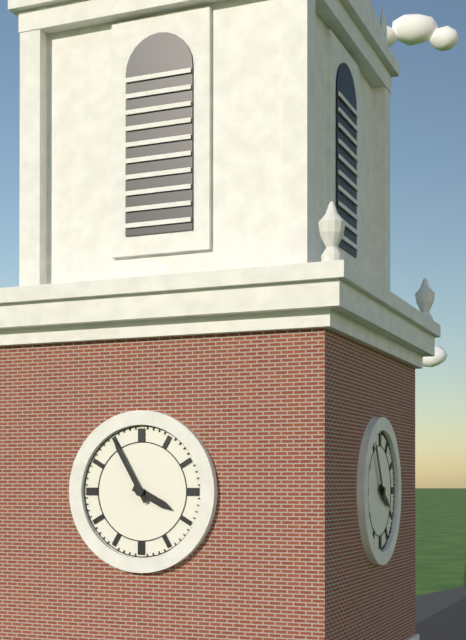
3:55
